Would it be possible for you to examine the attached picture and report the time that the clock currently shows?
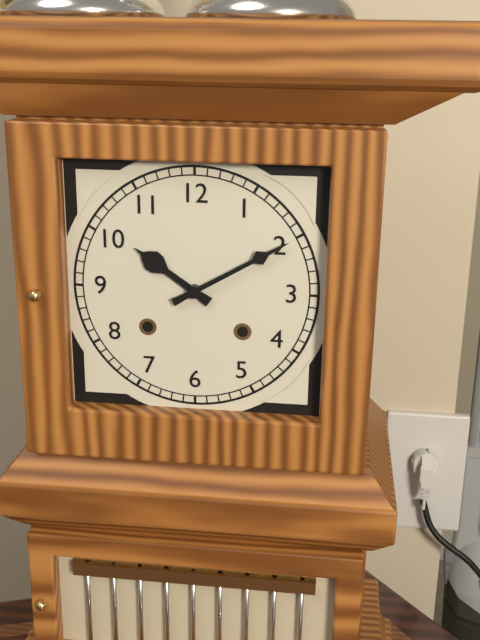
10:10
